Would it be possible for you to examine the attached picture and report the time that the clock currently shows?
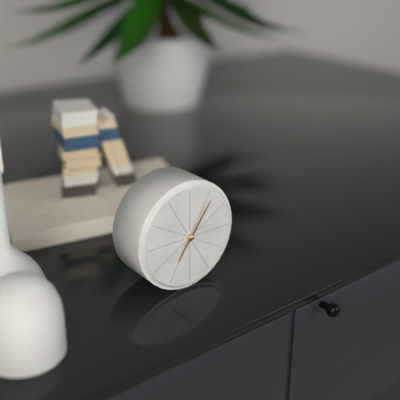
7:06
